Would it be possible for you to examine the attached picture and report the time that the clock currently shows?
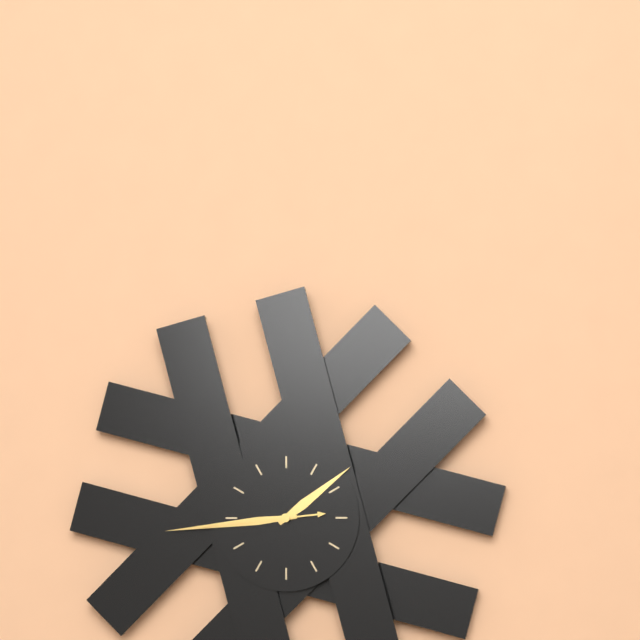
1:44:44
